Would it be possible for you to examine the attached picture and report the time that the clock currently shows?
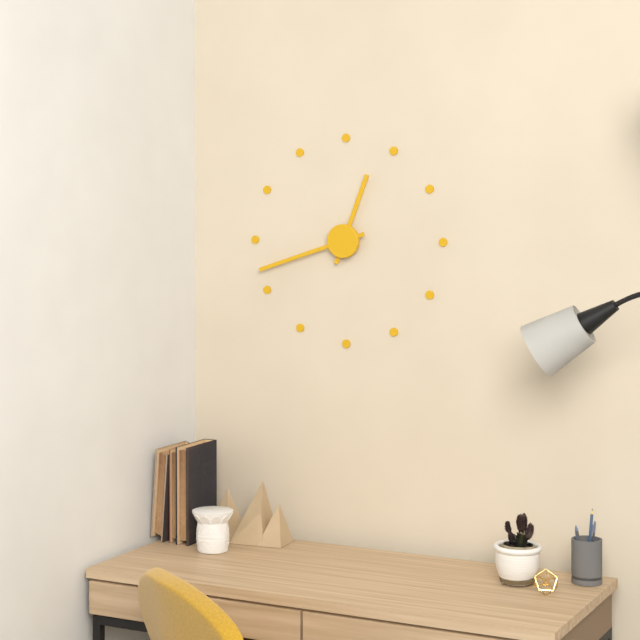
12:42
